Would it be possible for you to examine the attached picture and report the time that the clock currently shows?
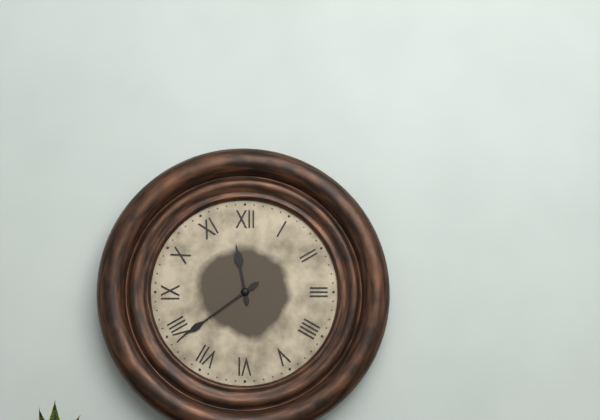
11:39
